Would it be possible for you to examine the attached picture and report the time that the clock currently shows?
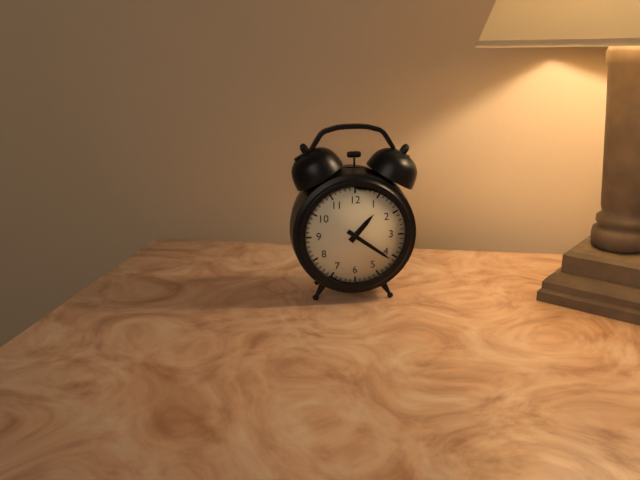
1:21
